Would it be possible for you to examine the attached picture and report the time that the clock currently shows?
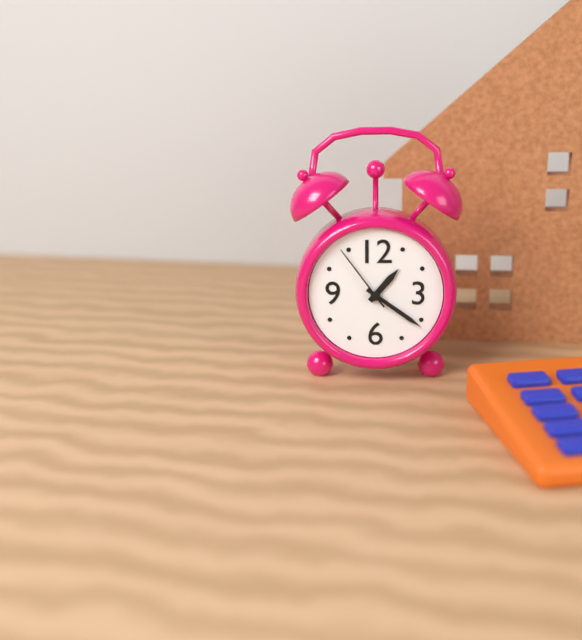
1:21:54
